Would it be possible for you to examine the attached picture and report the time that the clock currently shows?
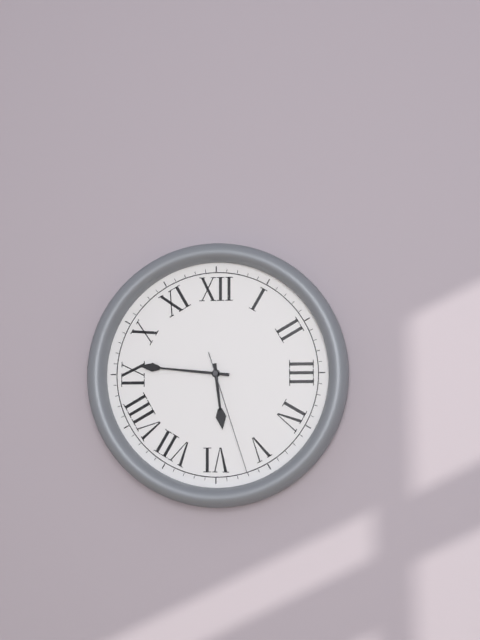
5:46:27
